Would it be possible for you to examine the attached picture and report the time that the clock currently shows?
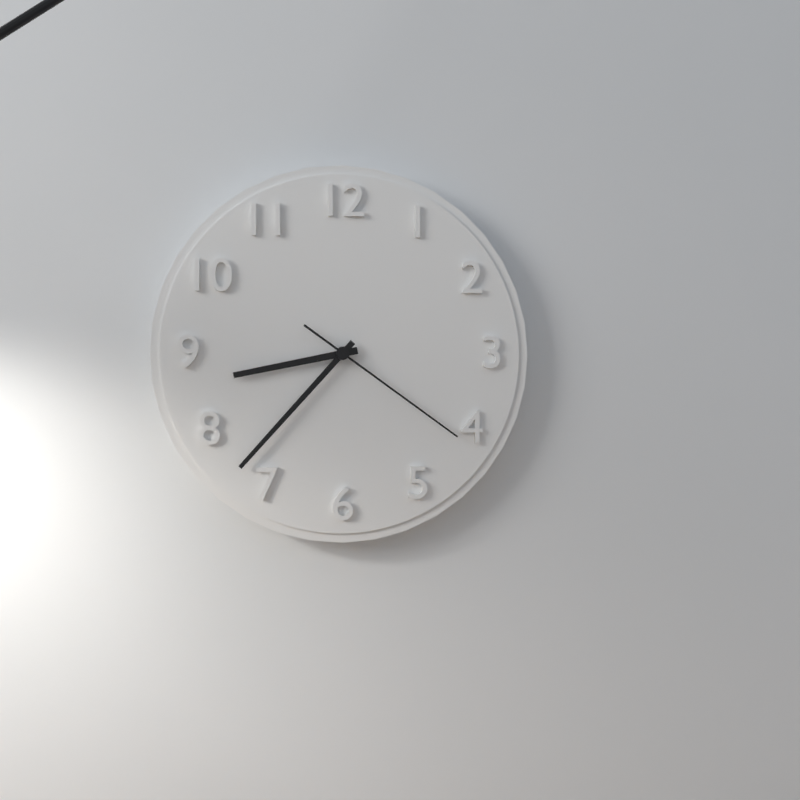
8:37:21
